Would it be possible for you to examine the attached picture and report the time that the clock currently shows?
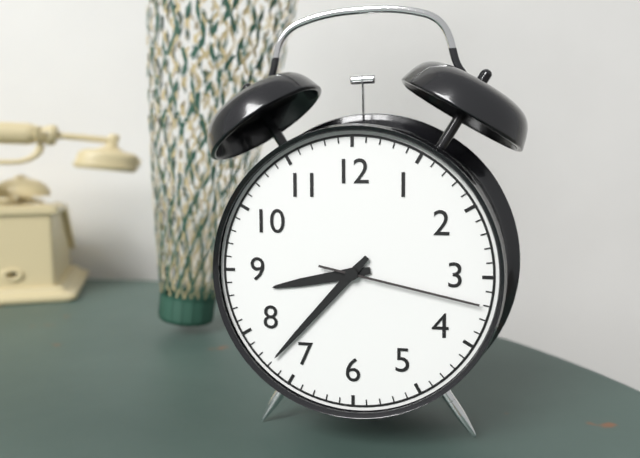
8:37:17
